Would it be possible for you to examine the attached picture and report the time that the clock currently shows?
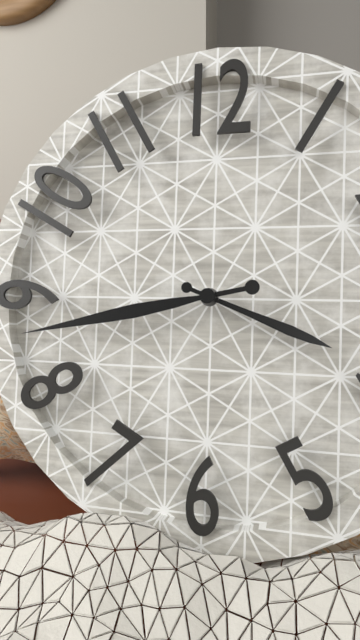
3:43
